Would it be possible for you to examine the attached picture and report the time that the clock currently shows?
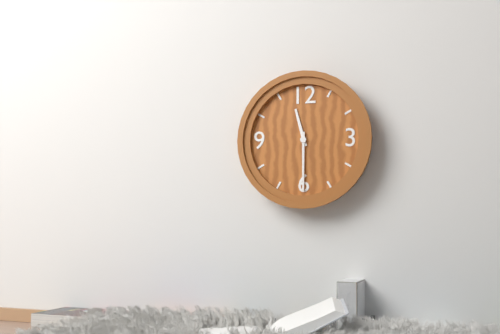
11:30
